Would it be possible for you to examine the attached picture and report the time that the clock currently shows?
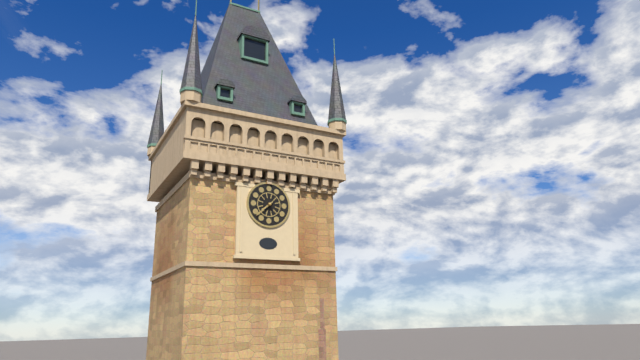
7:38
